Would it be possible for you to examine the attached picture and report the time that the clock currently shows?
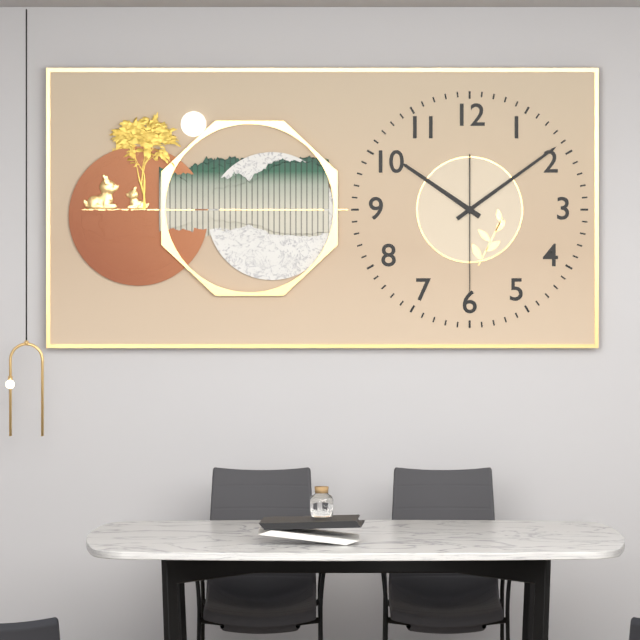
10:09:30
